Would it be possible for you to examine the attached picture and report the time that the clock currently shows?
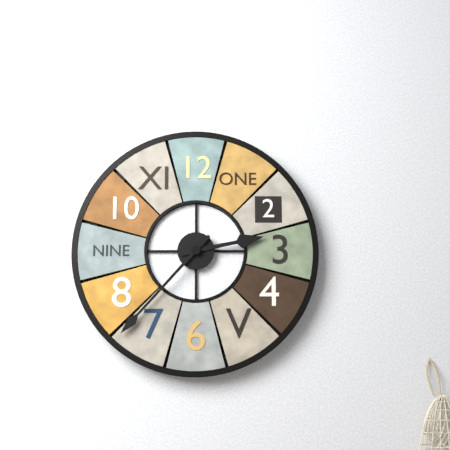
2:37
